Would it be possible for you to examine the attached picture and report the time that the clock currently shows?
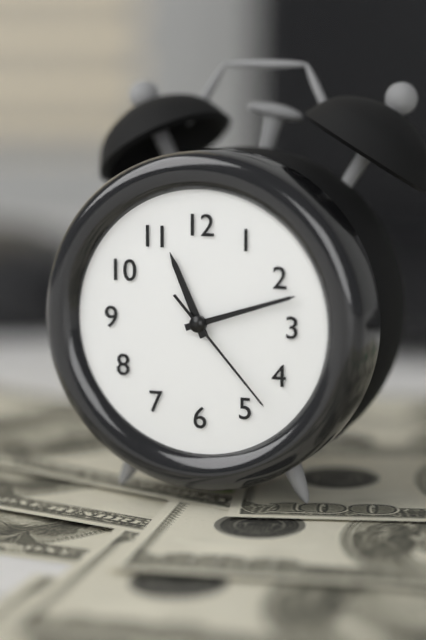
11:12:23
